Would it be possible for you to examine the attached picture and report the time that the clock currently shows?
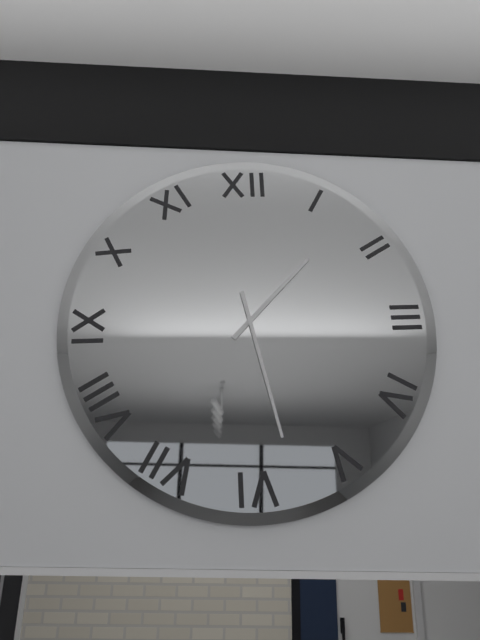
1:28
